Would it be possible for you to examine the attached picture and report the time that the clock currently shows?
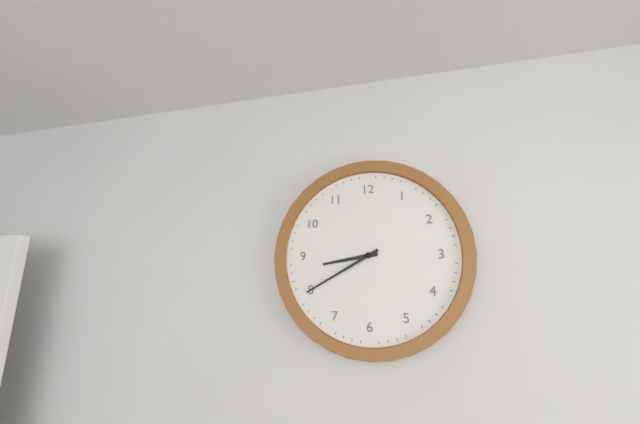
8:40
